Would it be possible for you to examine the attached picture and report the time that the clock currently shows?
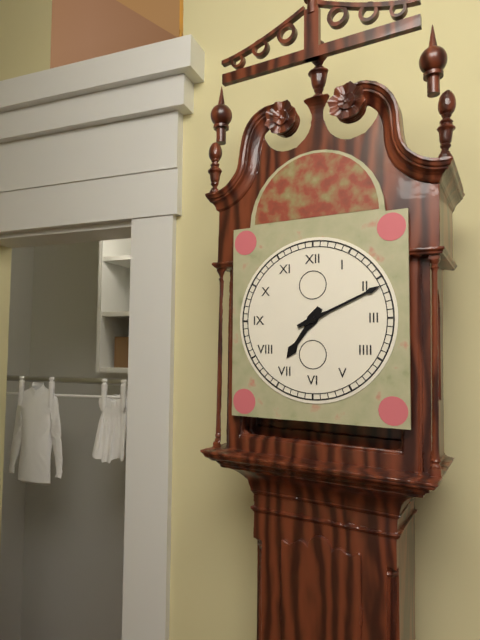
7:11
